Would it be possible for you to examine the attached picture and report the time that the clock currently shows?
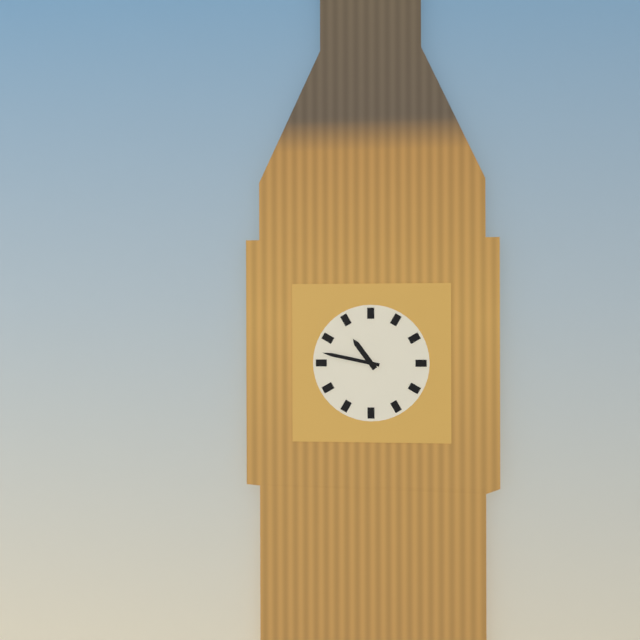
10:47
